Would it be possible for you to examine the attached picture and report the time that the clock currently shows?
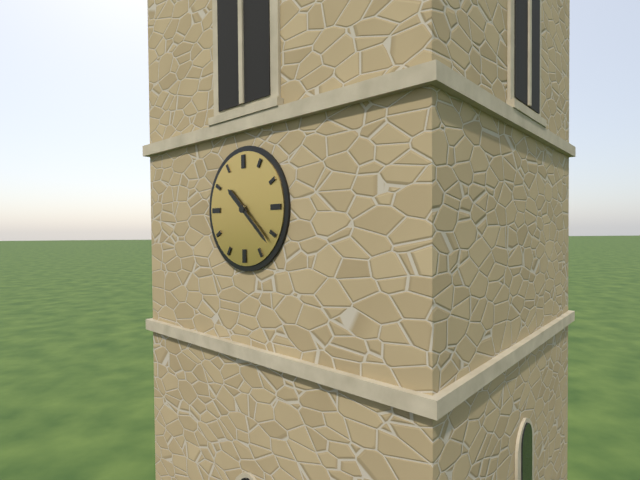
10:22
